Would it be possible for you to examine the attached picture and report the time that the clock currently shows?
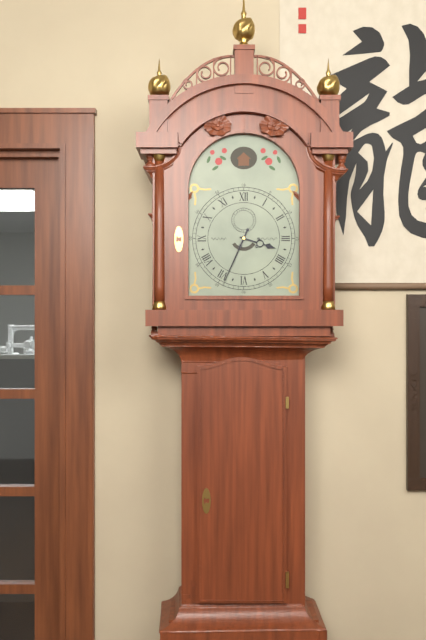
3:34
